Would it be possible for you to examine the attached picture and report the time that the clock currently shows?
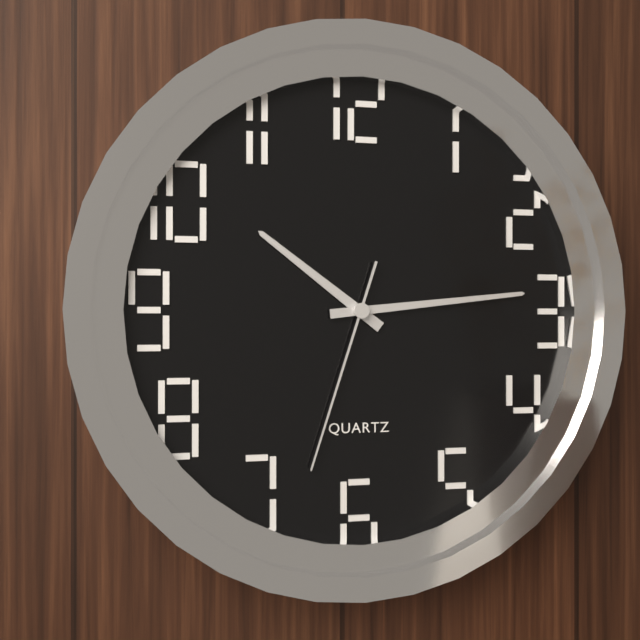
10:14:33
